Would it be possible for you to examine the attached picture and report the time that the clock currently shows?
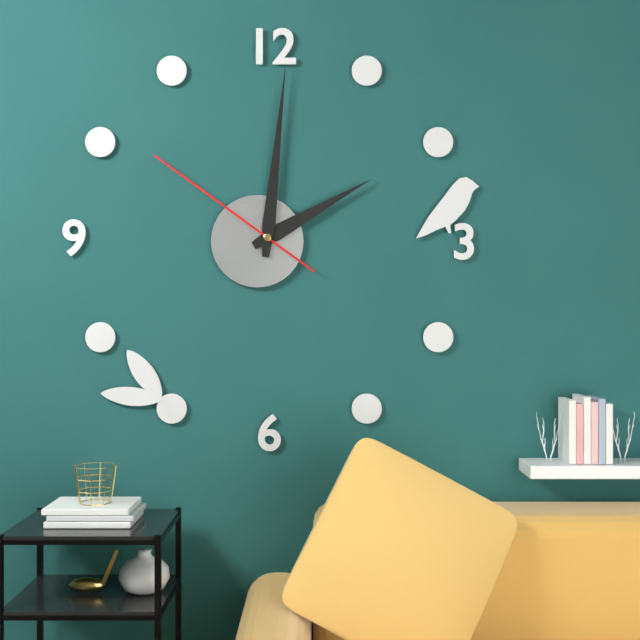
2:01:51
